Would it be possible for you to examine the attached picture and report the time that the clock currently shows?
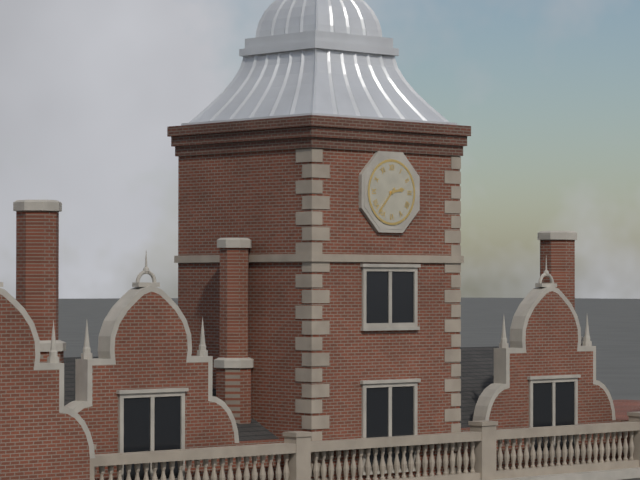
2:37
